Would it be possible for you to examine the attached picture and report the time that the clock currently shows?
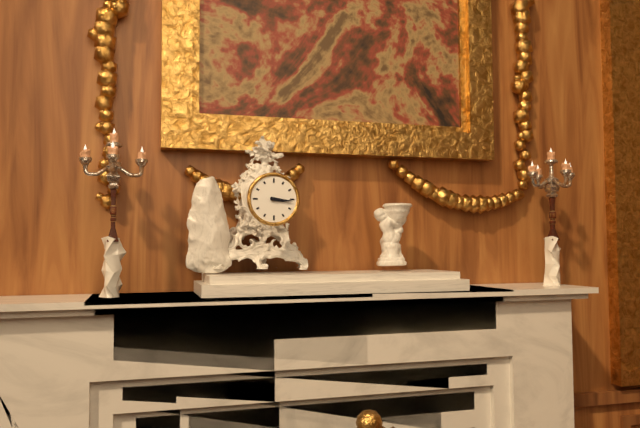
3:16
